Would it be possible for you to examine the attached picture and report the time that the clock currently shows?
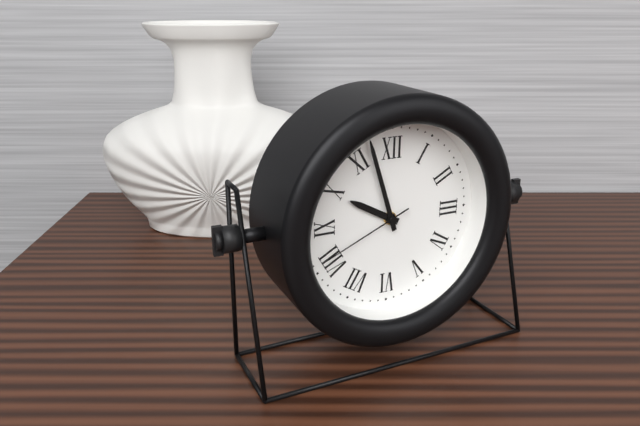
9:57:41
